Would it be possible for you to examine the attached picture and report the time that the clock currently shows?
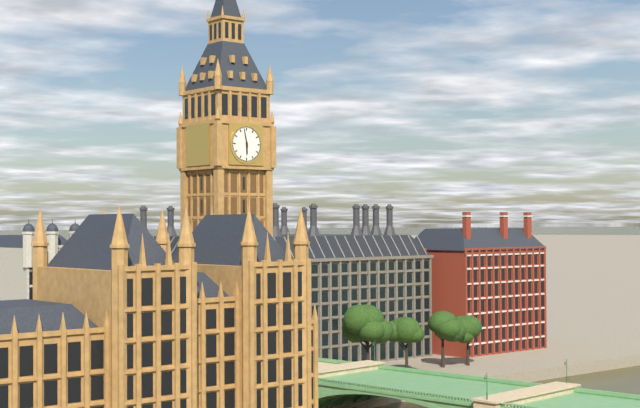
5:58
